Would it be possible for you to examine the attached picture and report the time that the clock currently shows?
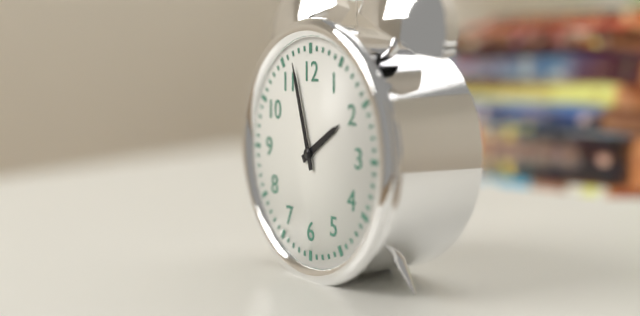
1:57
